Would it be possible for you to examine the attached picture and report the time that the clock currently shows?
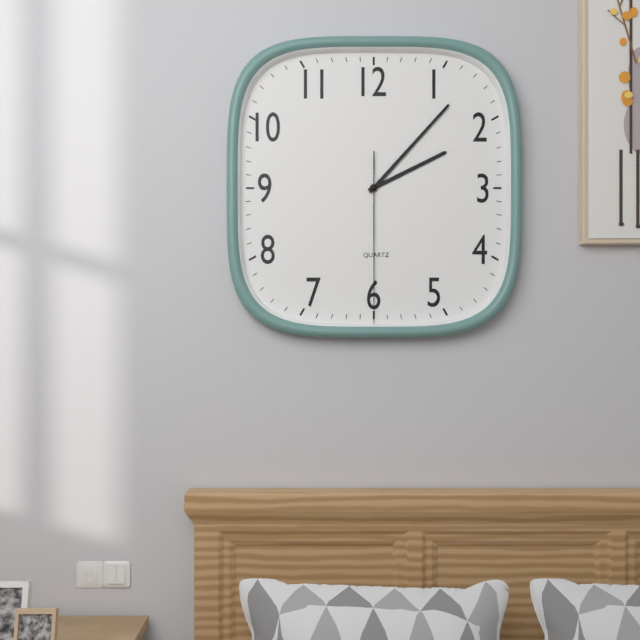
2:07:30
